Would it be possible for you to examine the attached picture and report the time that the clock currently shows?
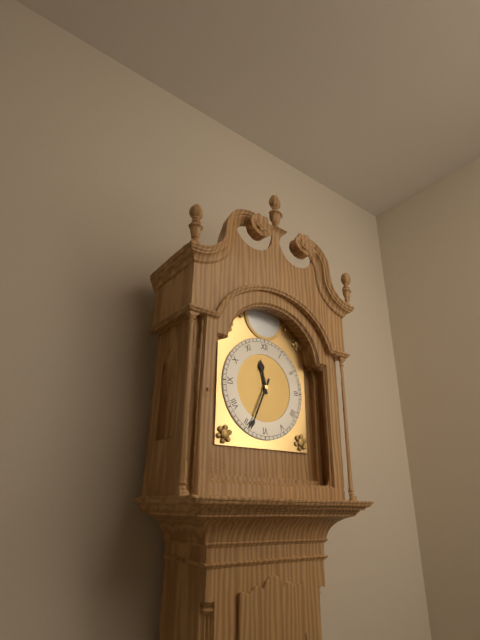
11:34
